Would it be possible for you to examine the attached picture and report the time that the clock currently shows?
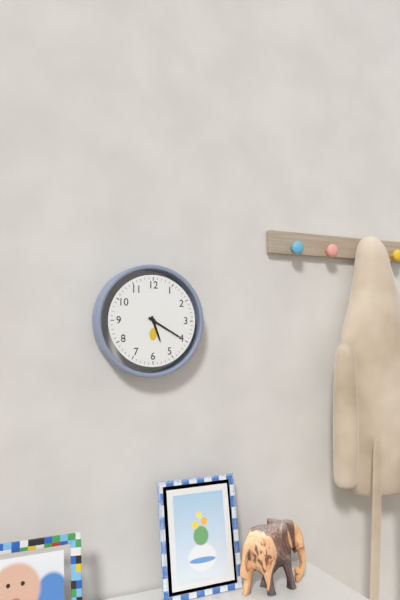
5:20
